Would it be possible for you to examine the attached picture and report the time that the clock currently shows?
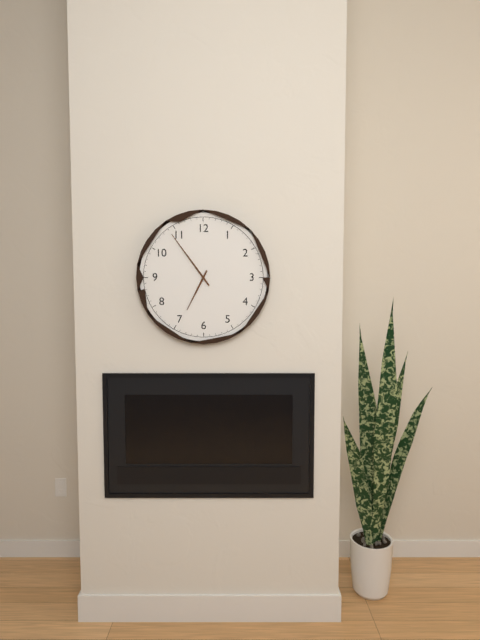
6:54
